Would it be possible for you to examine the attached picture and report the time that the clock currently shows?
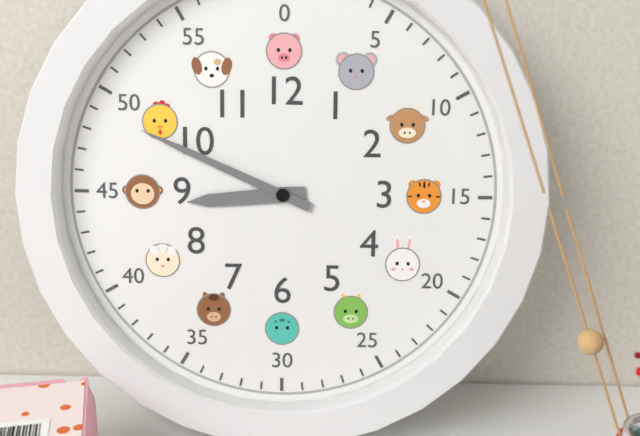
8:49
